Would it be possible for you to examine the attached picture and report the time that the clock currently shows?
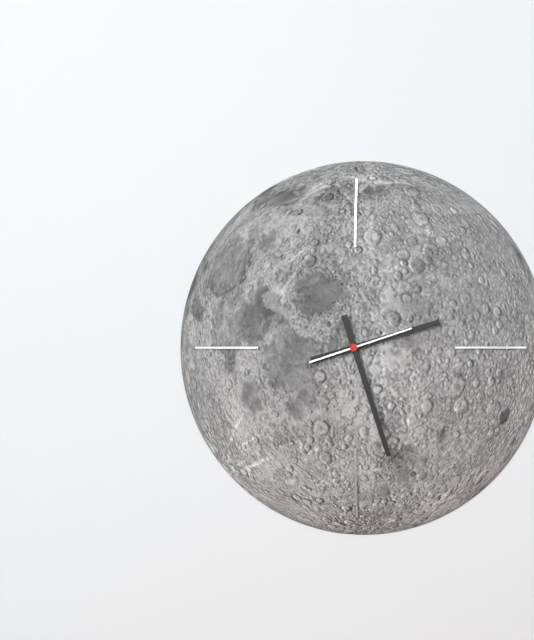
2:27:12
